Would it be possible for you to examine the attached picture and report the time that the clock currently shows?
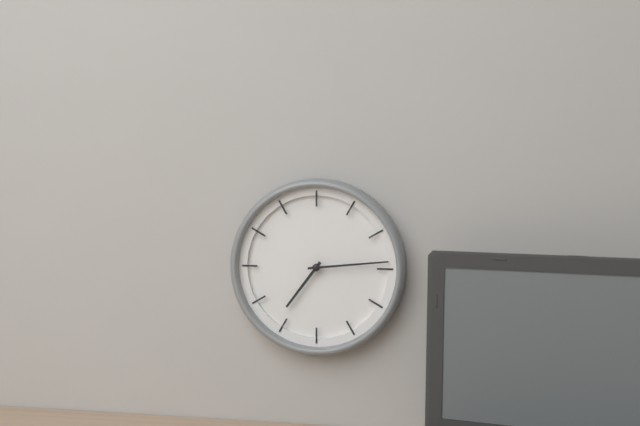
7:14
